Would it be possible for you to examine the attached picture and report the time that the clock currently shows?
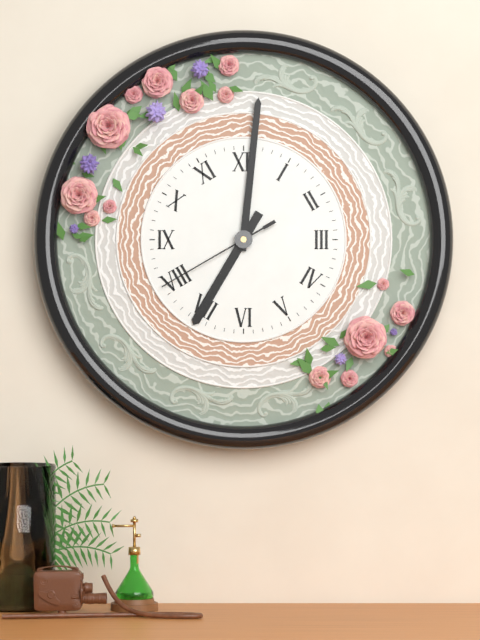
7:01:40
